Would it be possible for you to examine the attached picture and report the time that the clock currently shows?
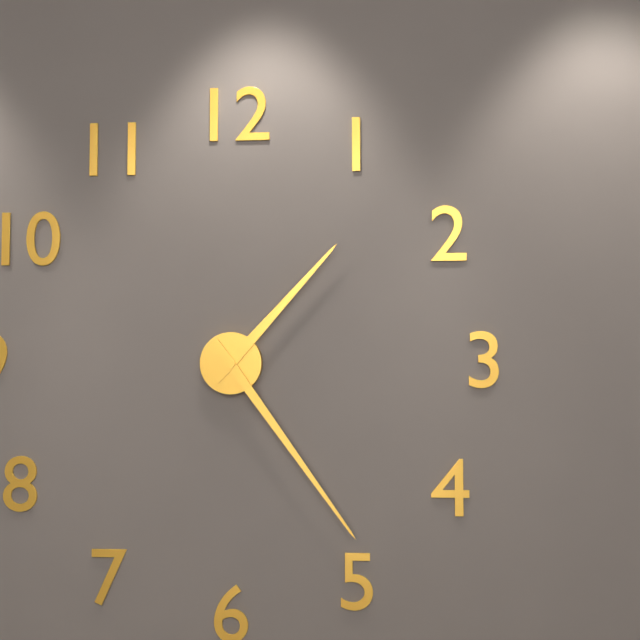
1:24
